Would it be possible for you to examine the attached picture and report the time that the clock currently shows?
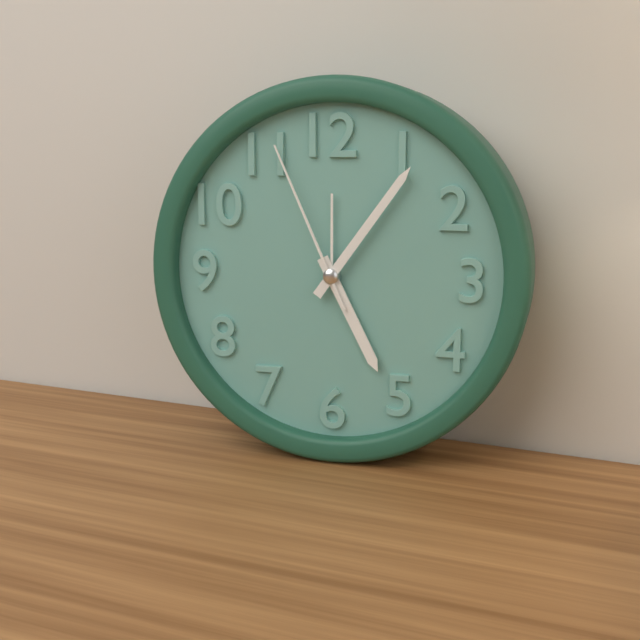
5:06:56
